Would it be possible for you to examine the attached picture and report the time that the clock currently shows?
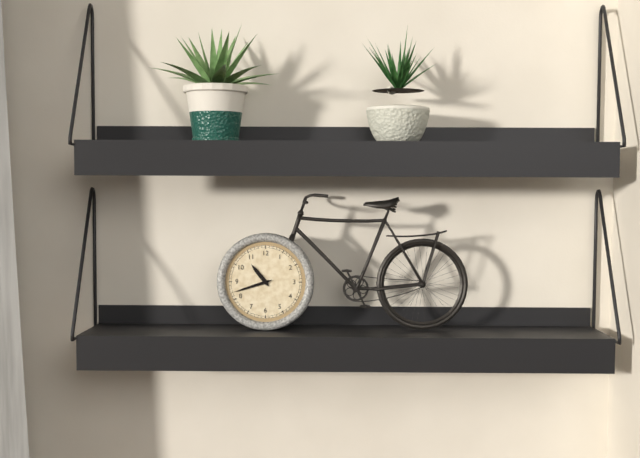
10:42
